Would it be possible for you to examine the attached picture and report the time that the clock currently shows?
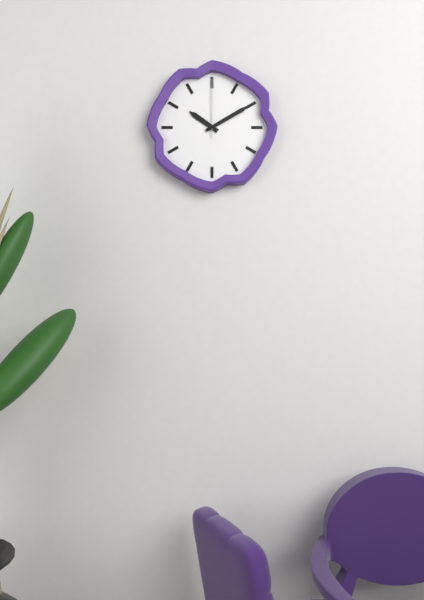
10:10:00
